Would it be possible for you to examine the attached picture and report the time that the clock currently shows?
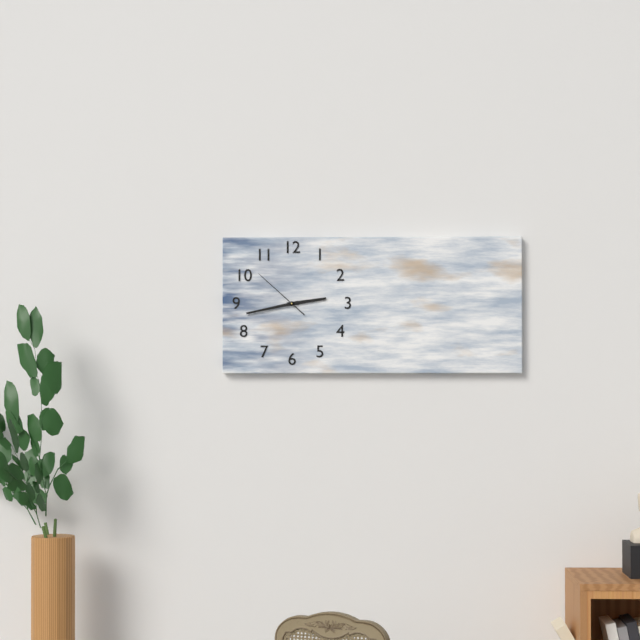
2:43:52
